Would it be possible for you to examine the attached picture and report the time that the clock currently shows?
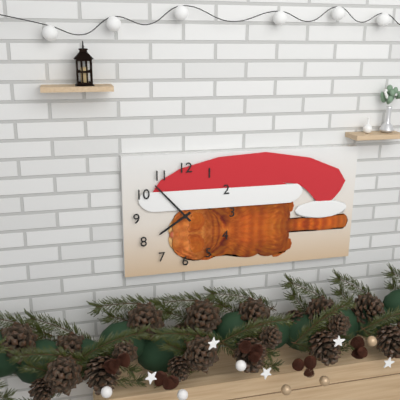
7:53
